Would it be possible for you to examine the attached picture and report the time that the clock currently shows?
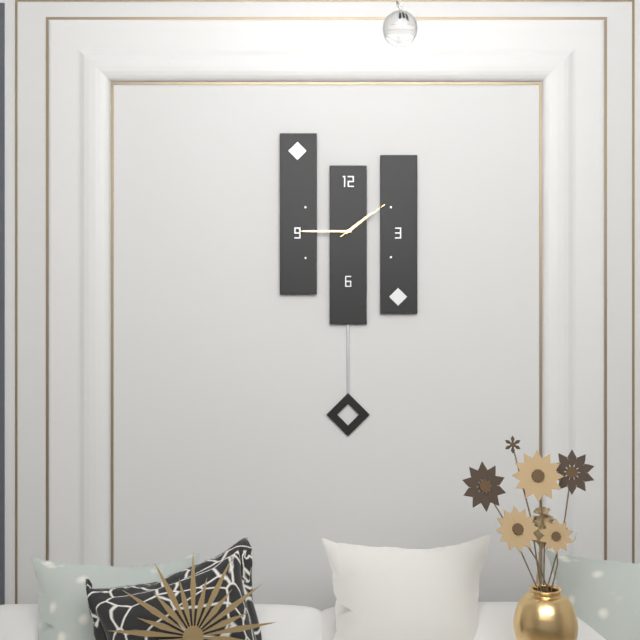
1:45:09
